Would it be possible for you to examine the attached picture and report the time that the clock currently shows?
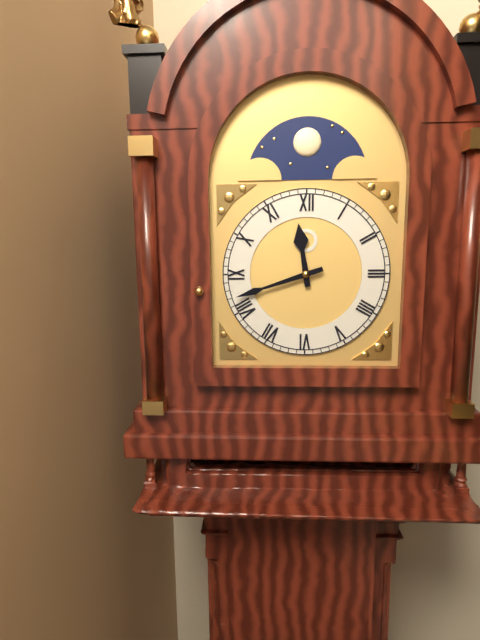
11:42
